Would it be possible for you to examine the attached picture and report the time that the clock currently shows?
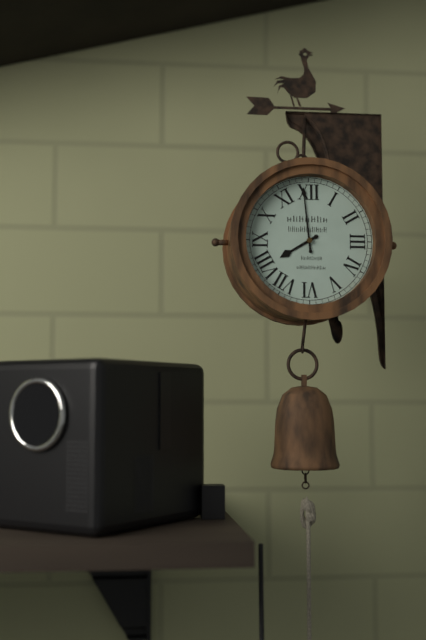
7:59
